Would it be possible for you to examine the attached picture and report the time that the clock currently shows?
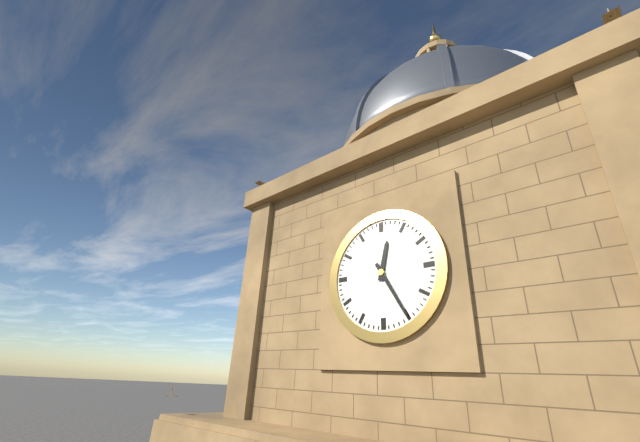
12:25
